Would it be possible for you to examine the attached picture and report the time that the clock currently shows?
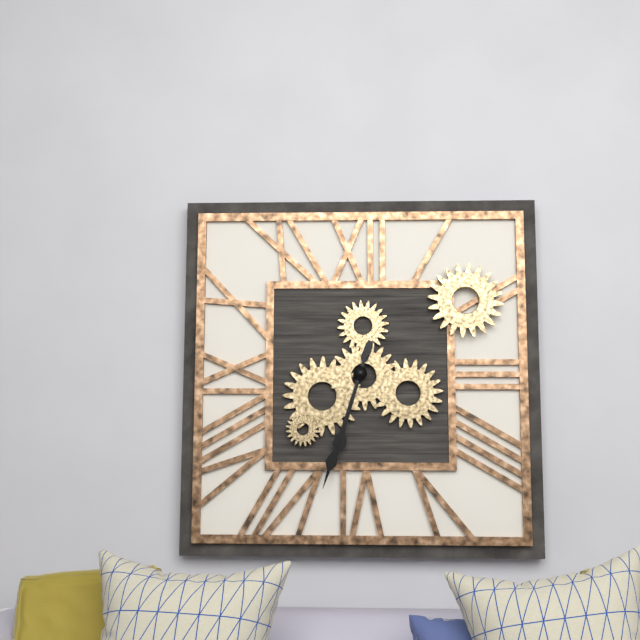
6:33
